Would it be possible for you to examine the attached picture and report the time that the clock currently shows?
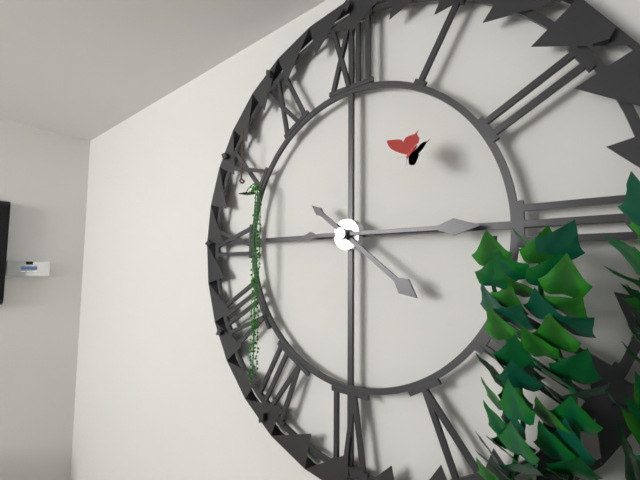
4:15
